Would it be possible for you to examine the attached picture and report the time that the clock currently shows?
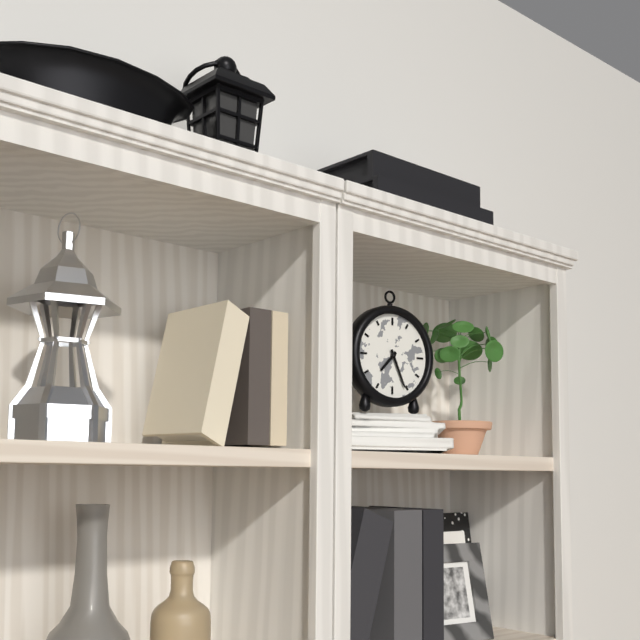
7:26
